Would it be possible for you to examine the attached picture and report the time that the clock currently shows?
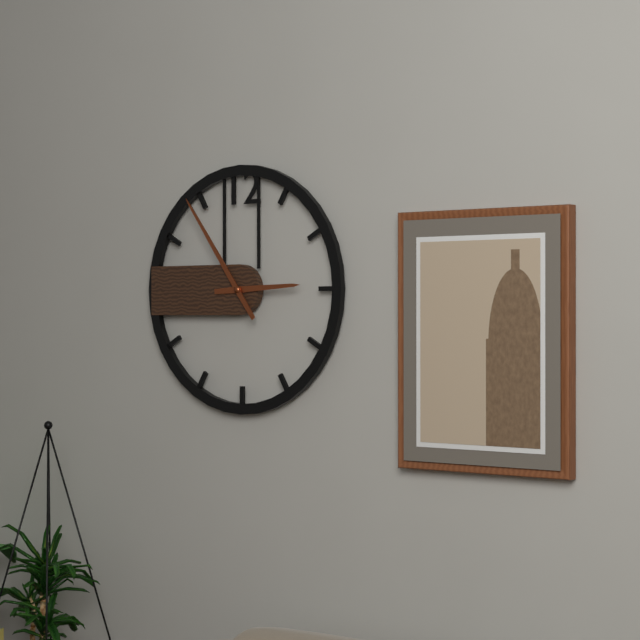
2:54
